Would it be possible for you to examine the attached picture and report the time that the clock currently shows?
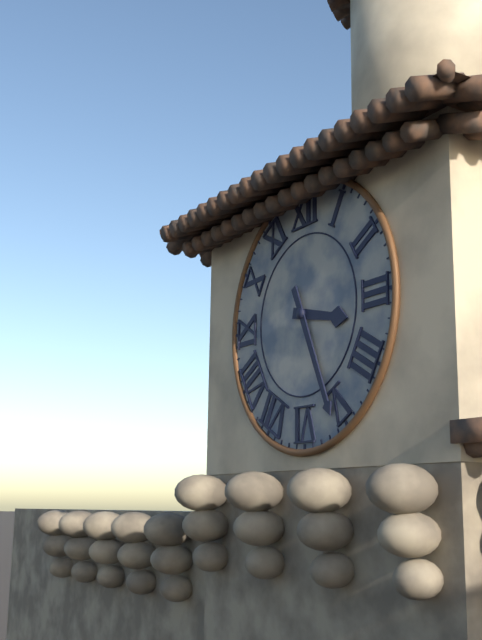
3:26
